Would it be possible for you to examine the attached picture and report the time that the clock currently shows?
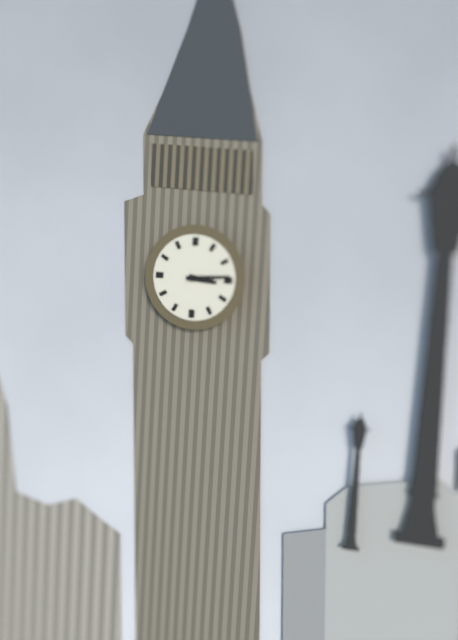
3:14
